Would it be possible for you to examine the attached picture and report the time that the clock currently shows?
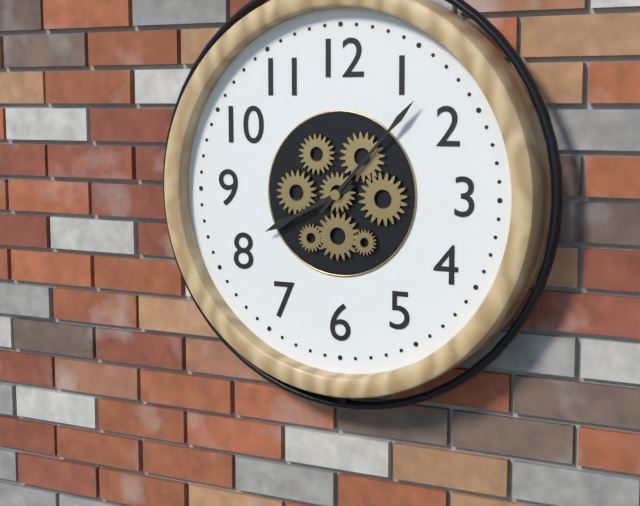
8:07
